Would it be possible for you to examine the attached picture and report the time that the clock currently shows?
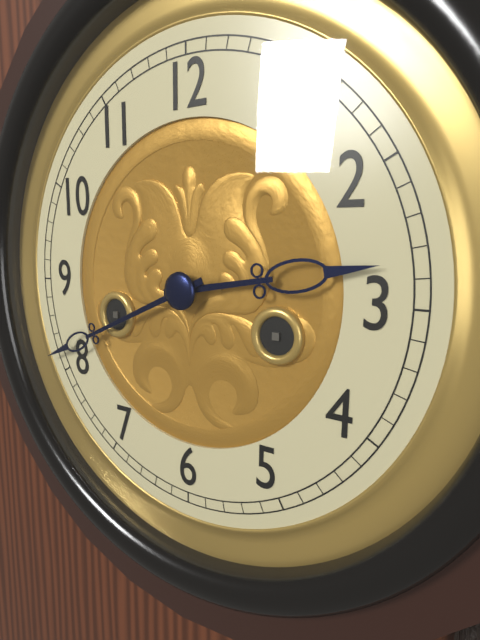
2:41
